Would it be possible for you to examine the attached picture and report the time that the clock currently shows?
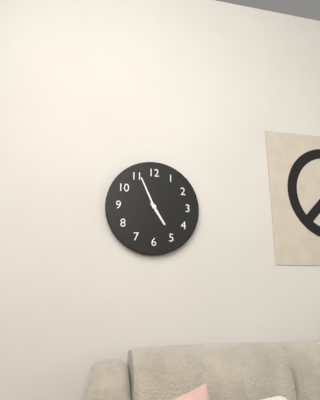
4:56
